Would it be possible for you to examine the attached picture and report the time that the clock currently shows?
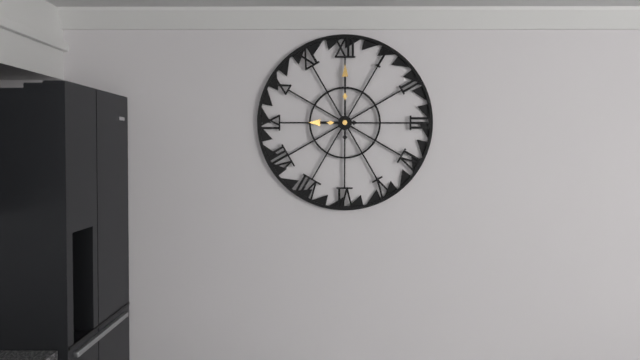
9:00
